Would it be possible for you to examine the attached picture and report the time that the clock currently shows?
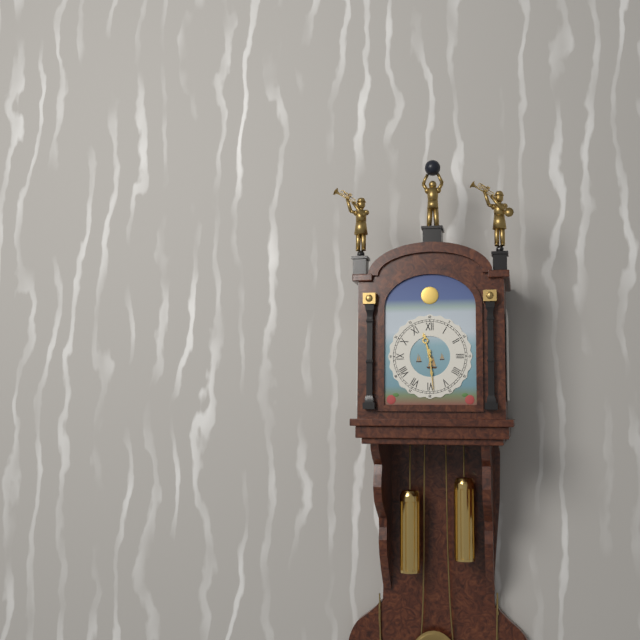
11:29
